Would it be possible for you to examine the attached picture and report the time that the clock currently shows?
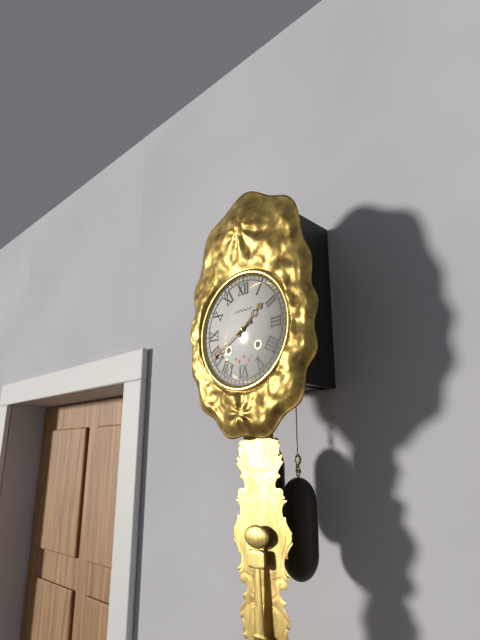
1:40
